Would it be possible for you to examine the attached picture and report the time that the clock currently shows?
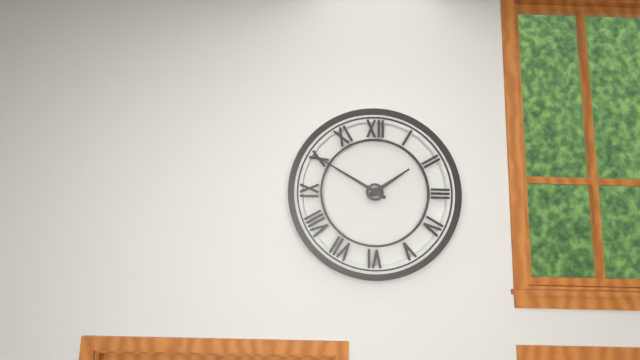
1:50
